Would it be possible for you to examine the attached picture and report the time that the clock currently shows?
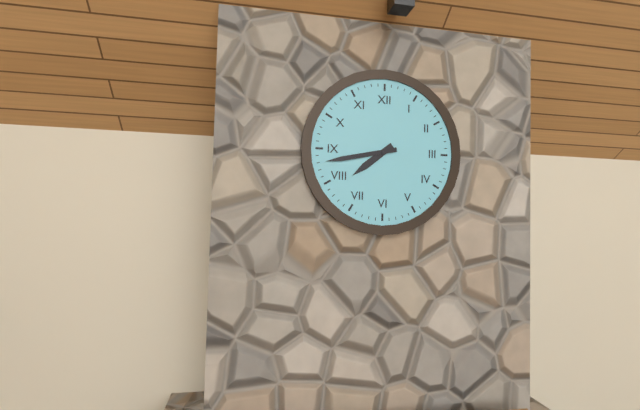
7:43
